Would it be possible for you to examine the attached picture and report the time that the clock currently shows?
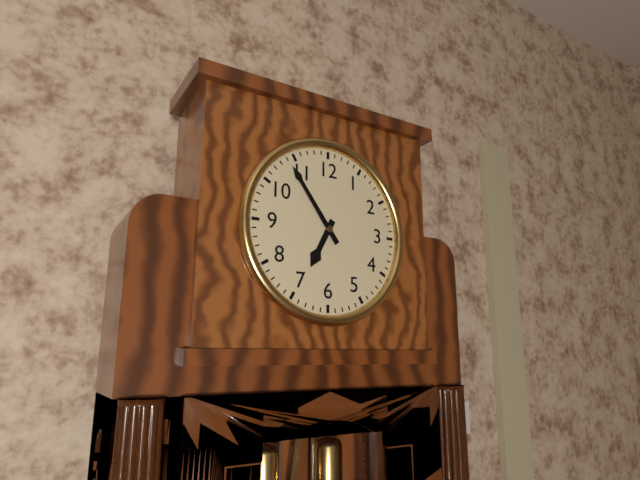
6:54
